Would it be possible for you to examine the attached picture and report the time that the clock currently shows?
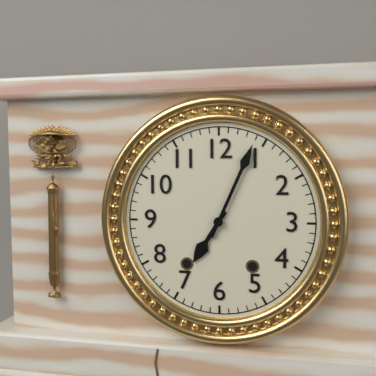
7:04
